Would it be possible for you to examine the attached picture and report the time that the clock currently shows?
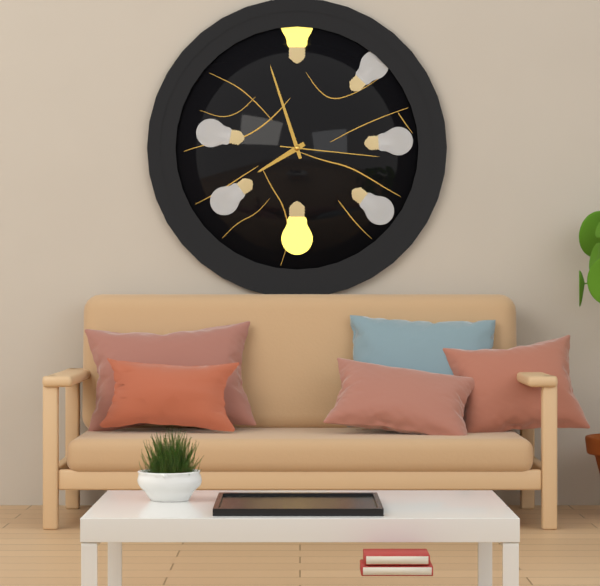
7:57:16
